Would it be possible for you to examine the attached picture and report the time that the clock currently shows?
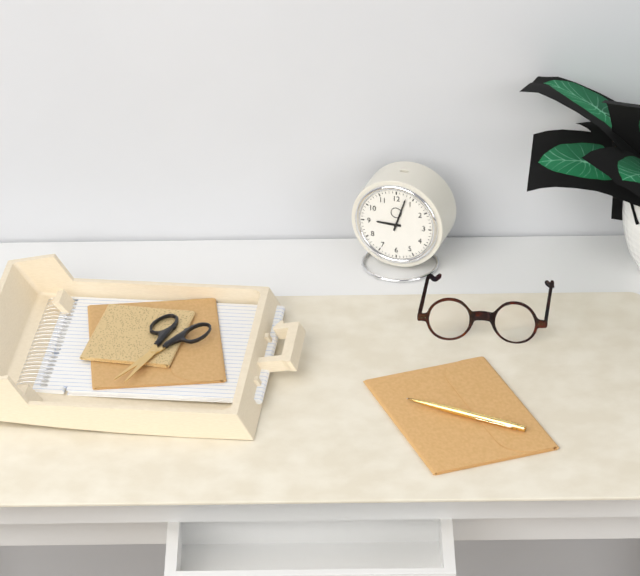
9:03
